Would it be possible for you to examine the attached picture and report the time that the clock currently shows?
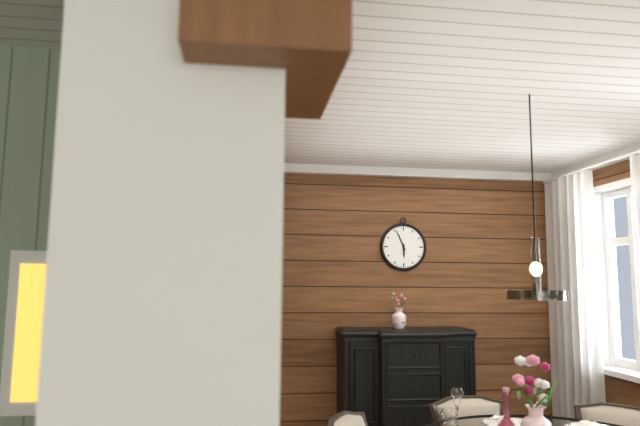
5:56
